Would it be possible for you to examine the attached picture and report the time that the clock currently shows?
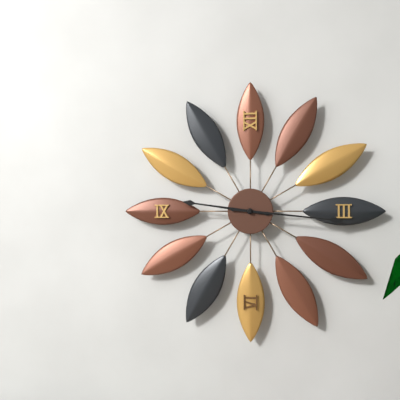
9:16
